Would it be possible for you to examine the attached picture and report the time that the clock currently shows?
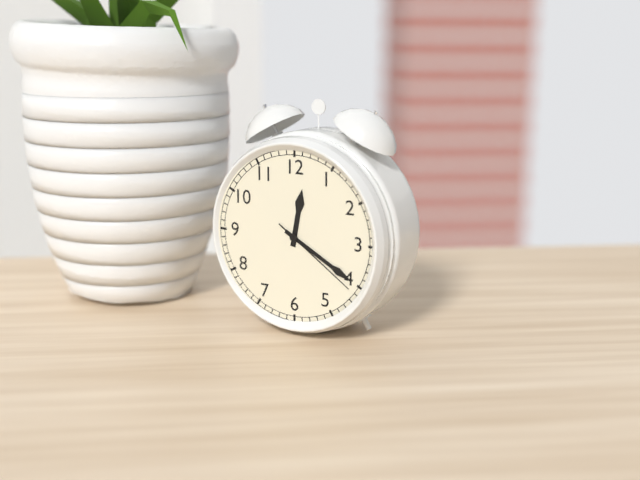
12:20:21
